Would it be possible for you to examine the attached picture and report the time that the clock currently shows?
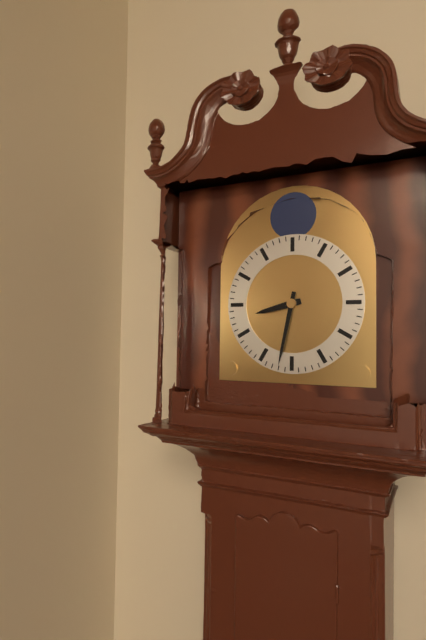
8:32
